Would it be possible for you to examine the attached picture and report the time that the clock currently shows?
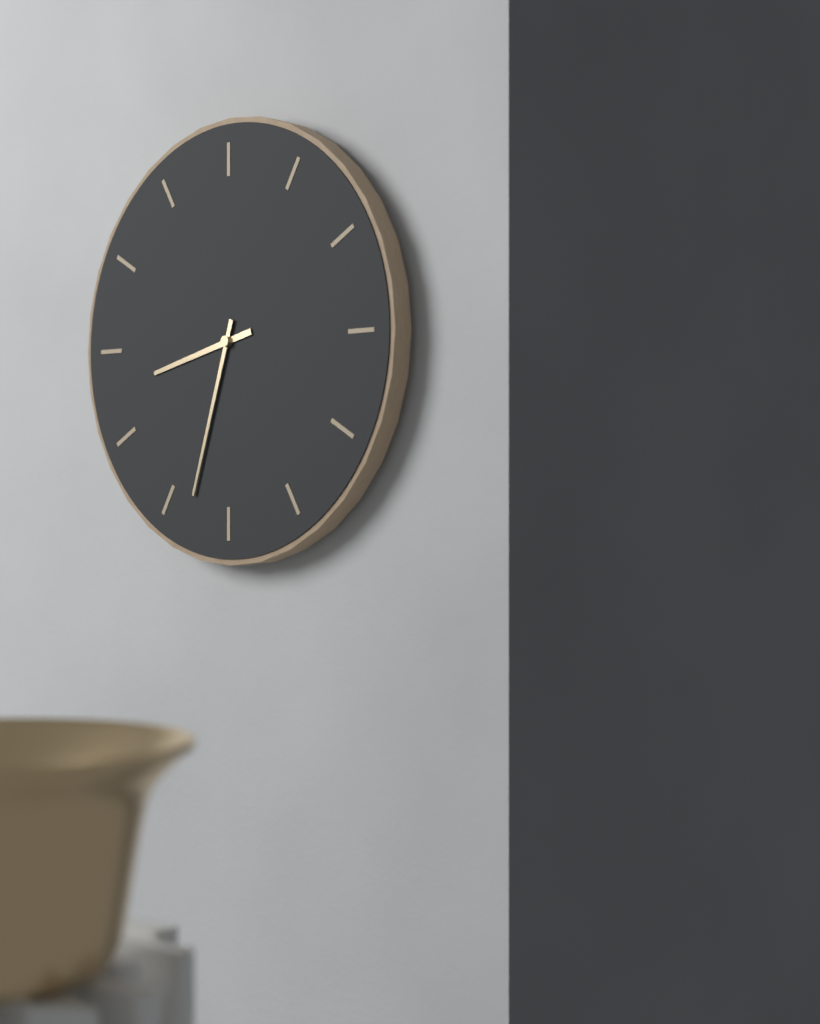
8:33
